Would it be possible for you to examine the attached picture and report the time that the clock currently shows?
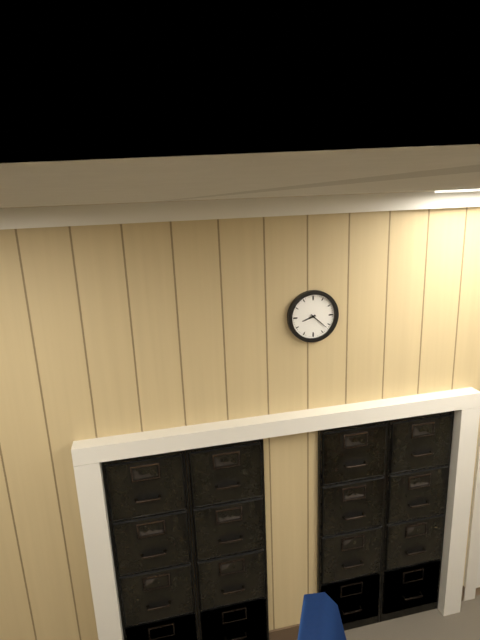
8:22
